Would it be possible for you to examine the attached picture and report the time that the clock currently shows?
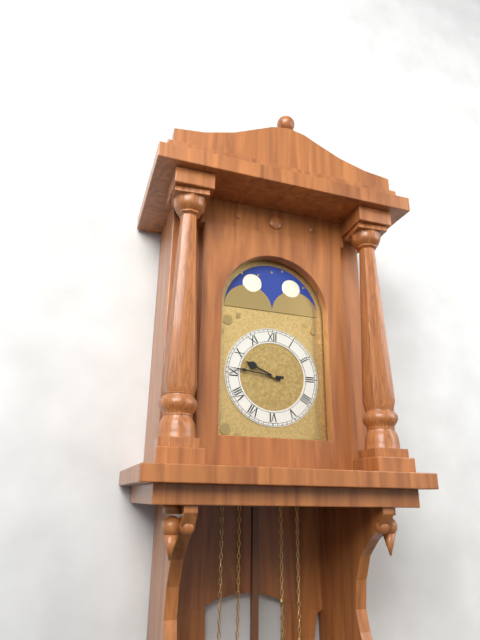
9:46
